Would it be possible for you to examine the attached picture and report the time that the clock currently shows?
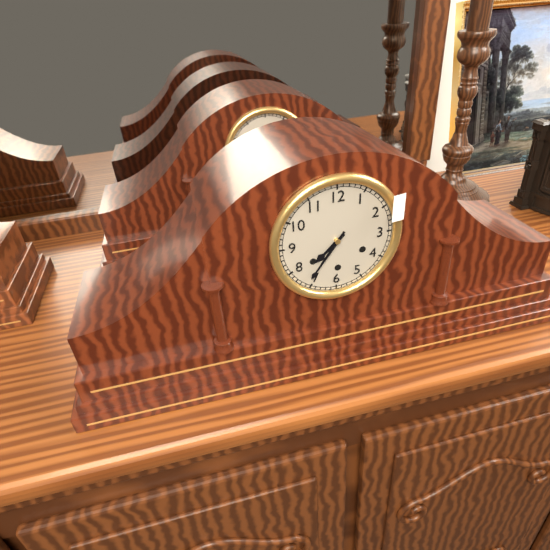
7:36
